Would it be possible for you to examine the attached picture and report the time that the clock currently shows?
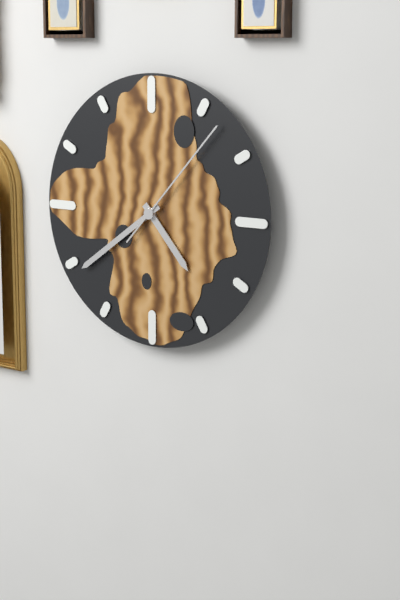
4:39:07
